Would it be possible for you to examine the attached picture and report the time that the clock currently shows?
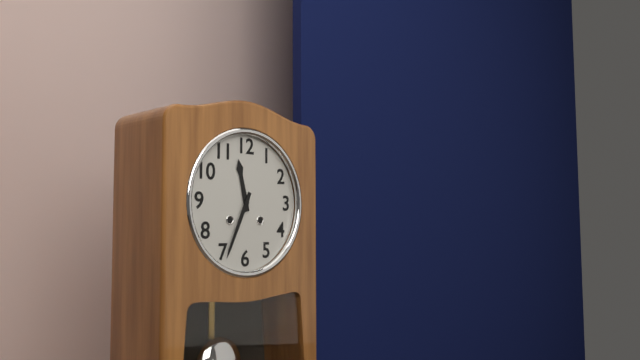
11:34
